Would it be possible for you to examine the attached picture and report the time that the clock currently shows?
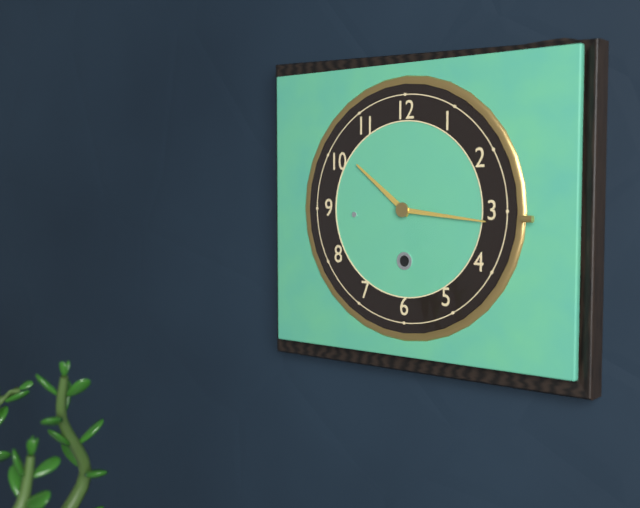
10:16
